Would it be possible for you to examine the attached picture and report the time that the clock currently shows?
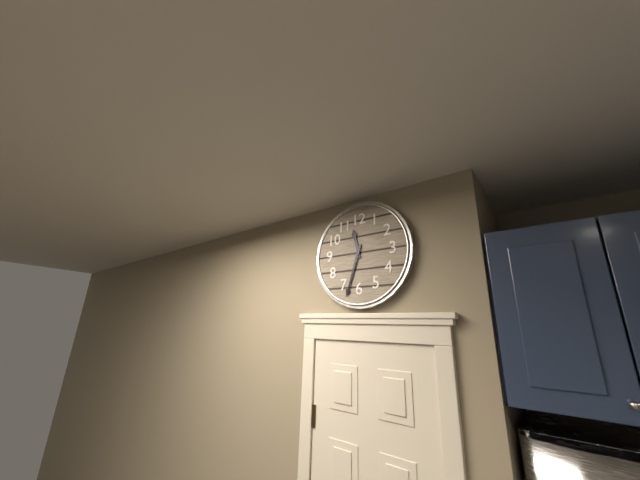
11:33
